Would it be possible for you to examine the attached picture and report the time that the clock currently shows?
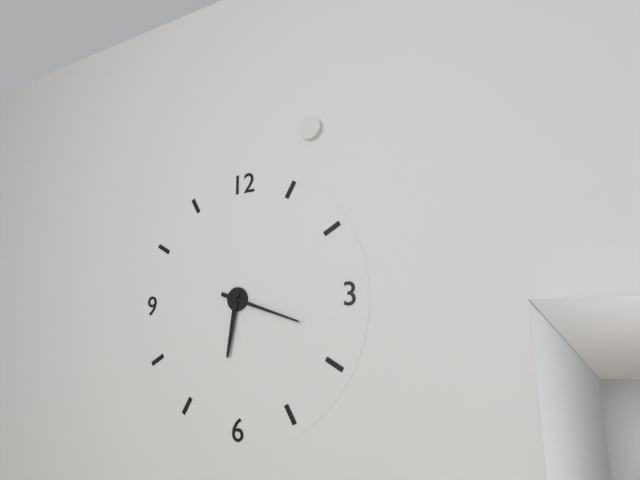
6:18
